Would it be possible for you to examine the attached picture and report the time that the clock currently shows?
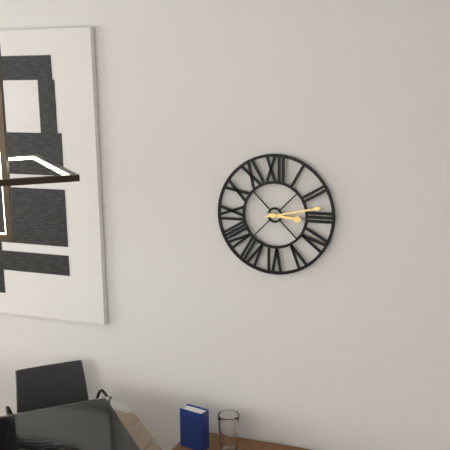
3:13
